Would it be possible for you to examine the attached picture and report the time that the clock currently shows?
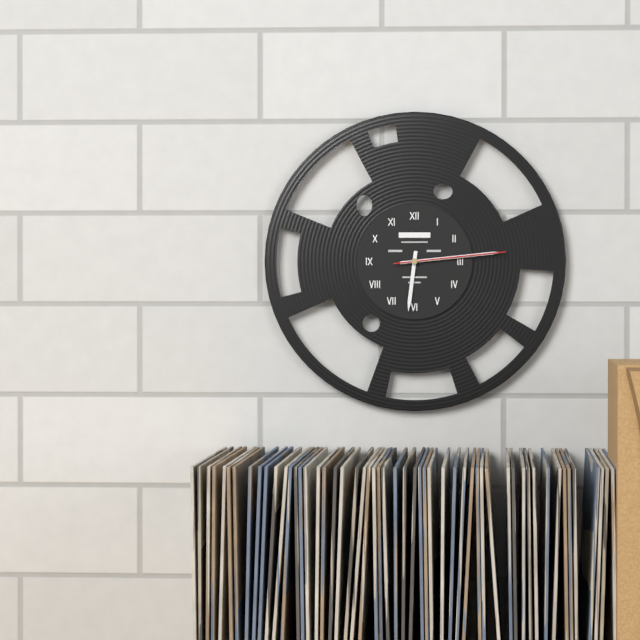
6:14:14
